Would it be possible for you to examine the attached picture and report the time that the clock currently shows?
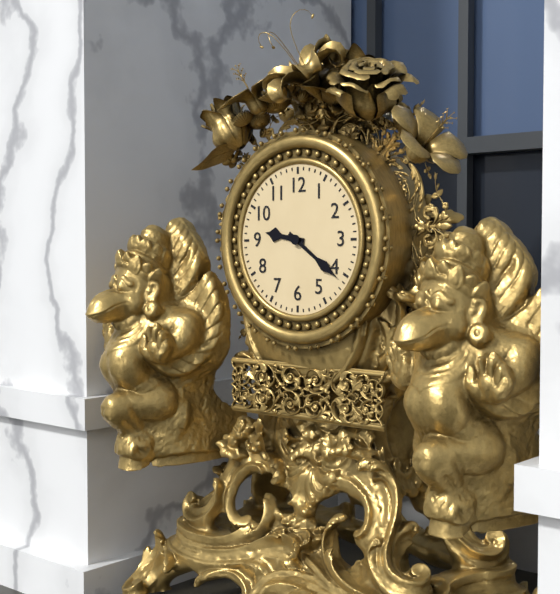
9:21
